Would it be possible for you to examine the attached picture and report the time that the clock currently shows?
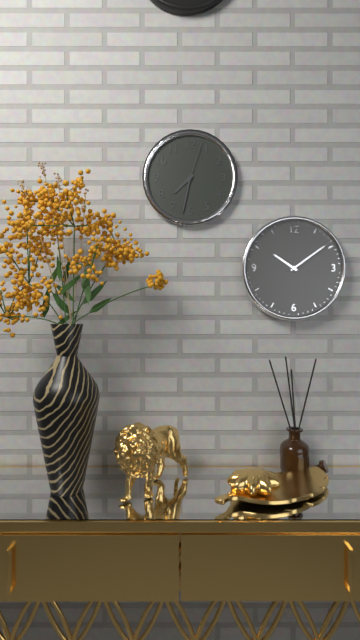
7:32
